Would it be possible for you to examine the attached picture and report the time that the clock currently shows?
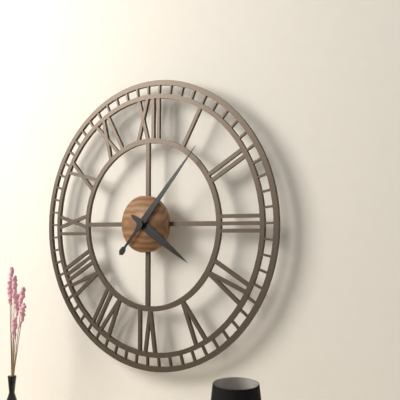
4:07
